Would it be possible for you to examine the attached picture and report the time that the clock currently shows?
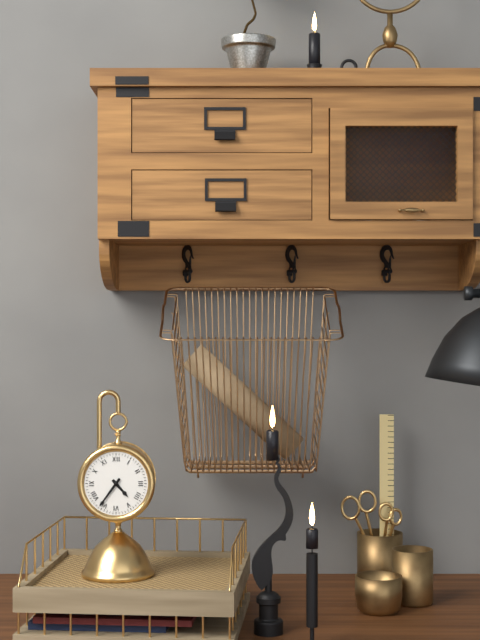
4:36
